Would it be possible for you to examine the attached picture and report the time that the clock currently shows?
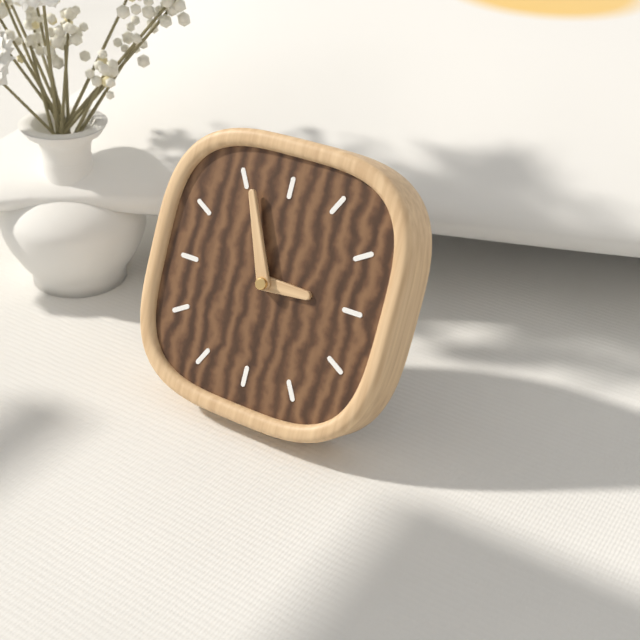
2:56
